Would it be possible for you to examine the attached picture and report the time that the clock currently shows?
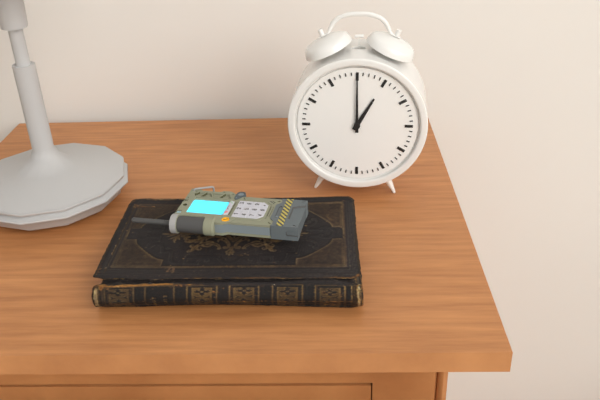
1:00
